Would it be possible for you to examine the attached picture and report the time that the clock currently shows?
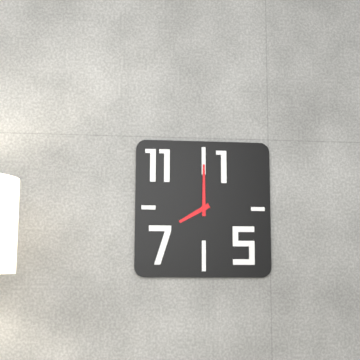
8:00
